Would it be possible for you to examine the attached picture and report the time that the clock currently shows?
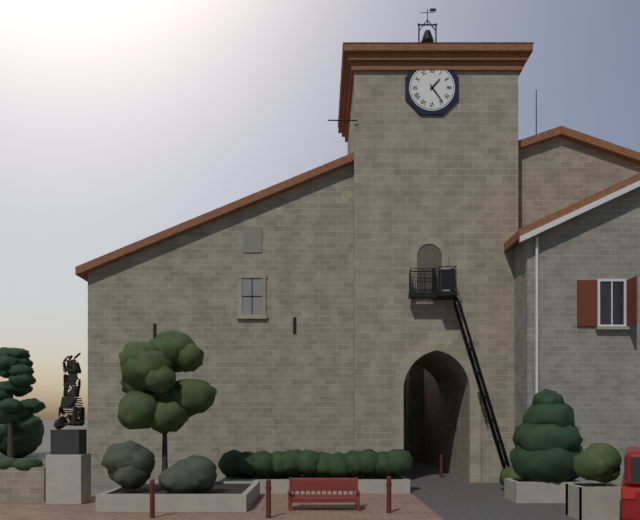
1:24
